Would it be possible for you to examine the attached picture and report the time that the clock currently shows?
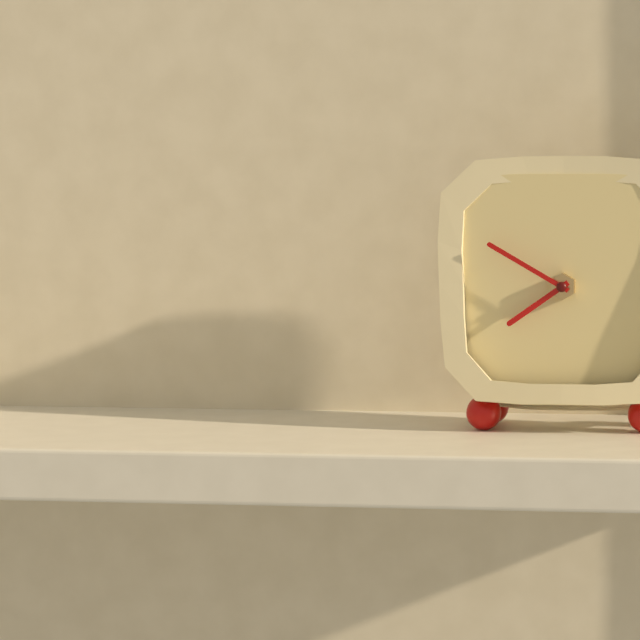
7:50
